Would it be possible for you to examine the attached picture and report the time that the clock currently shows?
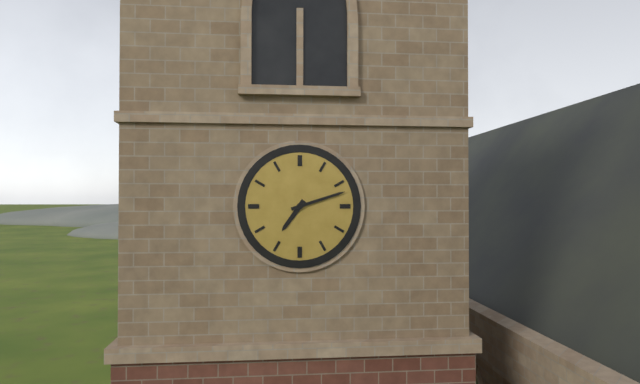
7:12
